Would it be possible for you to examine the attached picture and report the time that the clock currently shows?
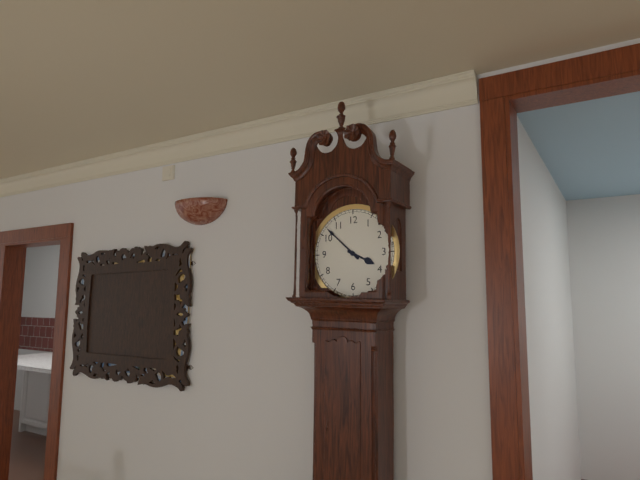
3:52
